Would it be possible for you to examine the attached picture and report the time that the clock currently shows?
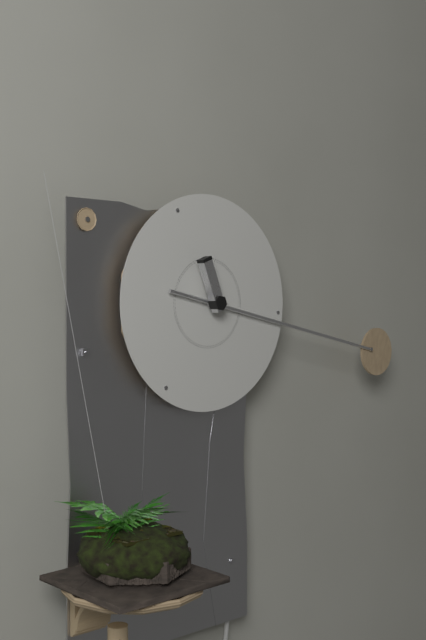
11:17
